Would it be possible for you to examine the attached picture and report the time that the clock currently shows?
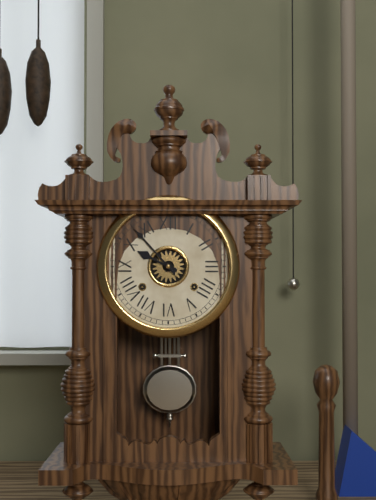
9:53
